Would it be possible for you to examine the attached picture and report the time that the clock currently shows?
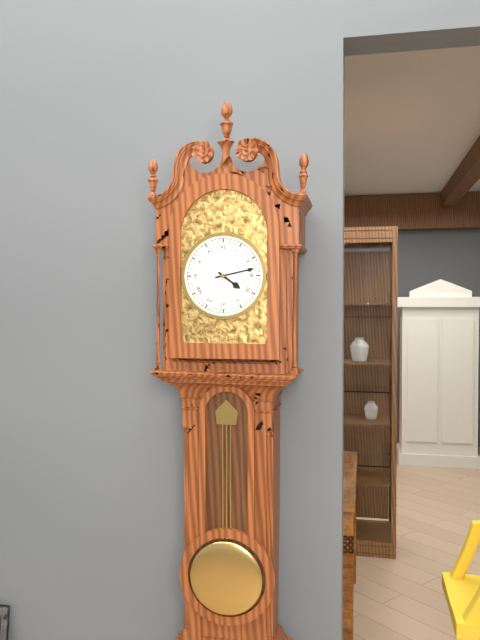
4:13
